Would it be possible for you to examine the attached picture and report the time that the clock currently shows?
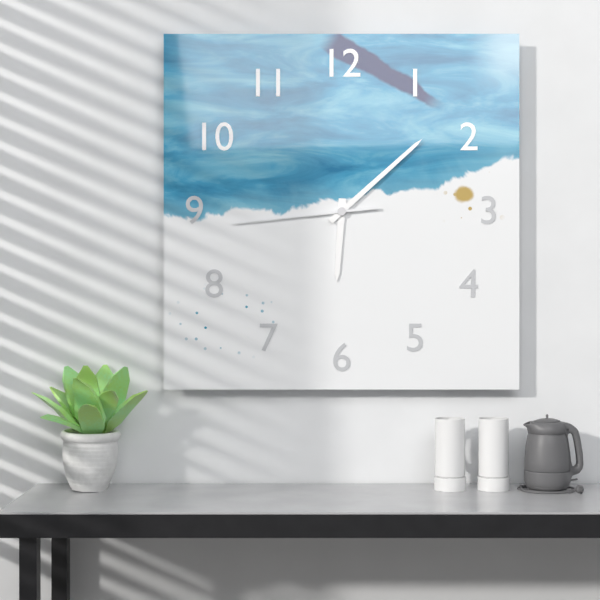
6:08:44
